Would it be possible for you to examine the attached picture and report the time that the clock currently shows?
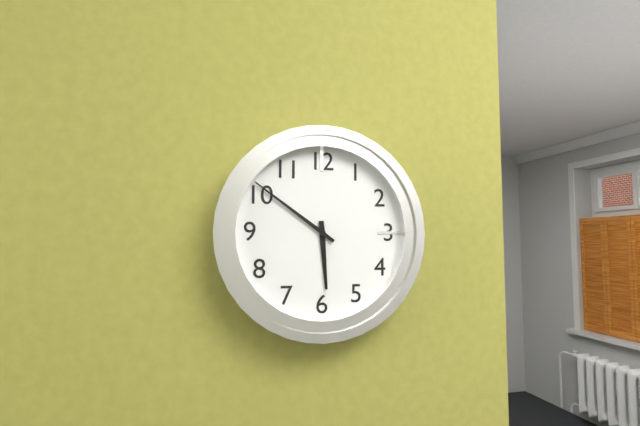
5:51
